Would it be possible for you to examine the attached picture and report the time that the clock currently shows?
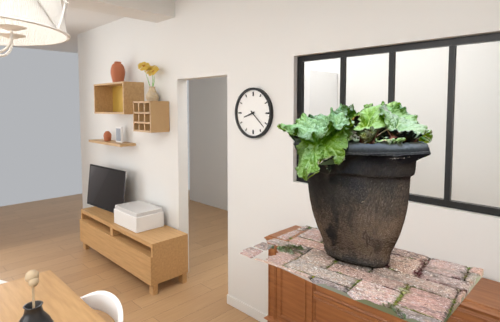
8:22
